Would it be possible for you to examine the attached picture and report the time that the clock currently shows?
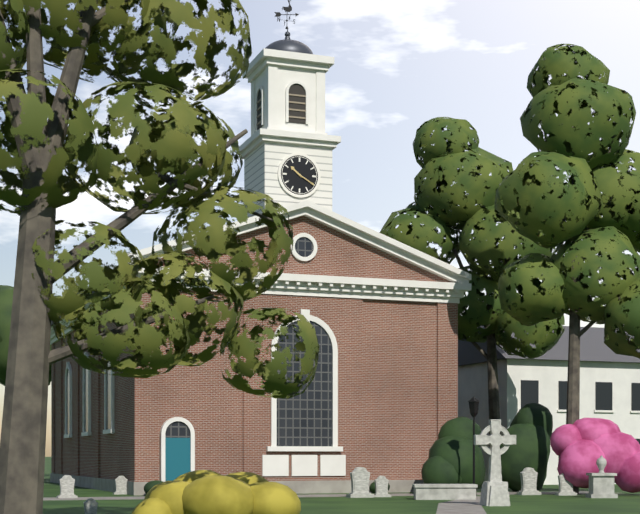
10:20
